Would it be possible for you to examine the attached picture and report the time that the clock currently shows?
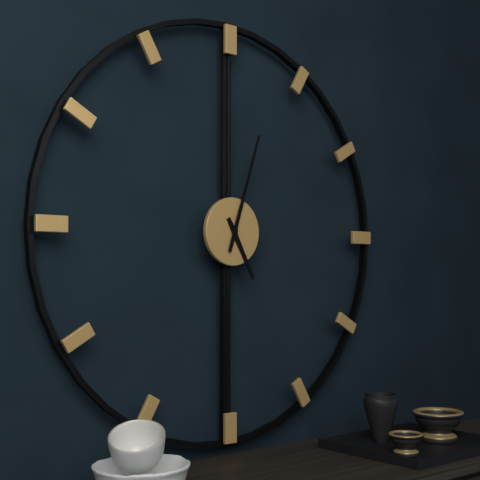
5:03
